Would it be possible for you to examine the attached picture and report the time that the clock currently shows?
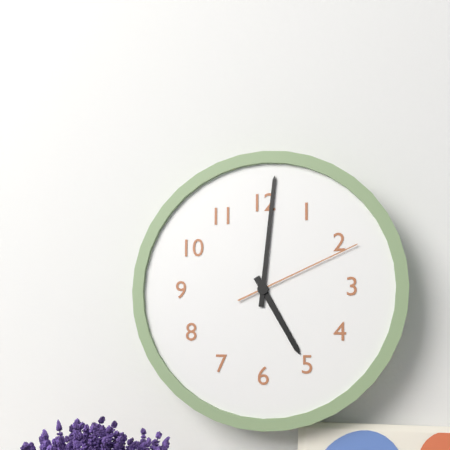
5:01:11
